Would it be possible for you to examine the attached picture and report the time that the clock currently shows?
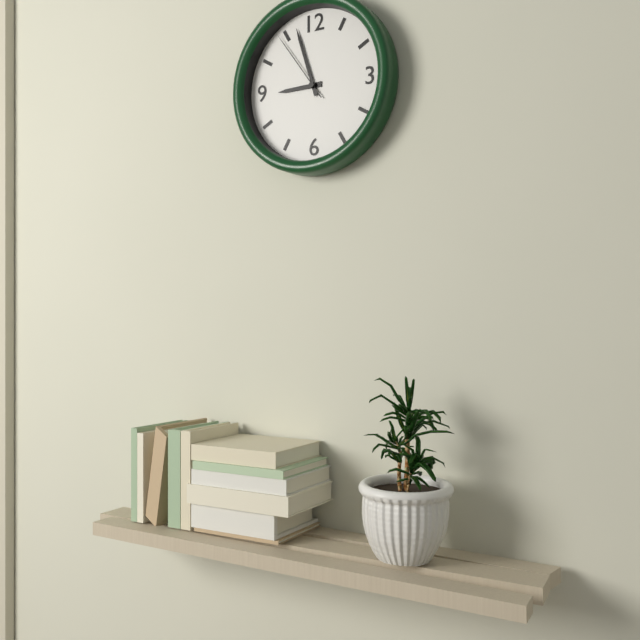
8:57:54
